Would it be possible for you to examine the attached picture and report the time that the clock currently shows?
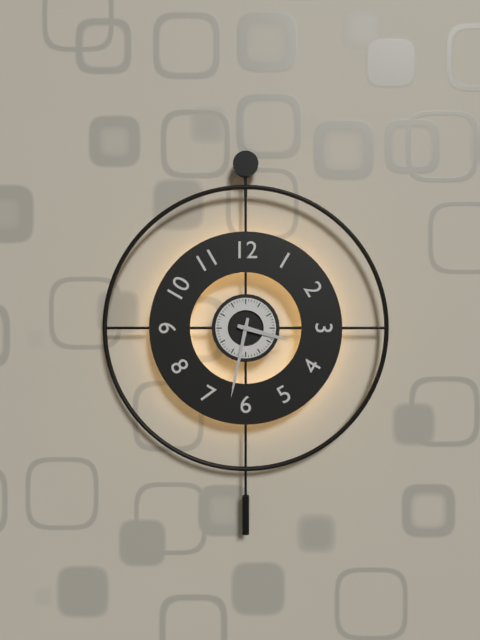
3:32
